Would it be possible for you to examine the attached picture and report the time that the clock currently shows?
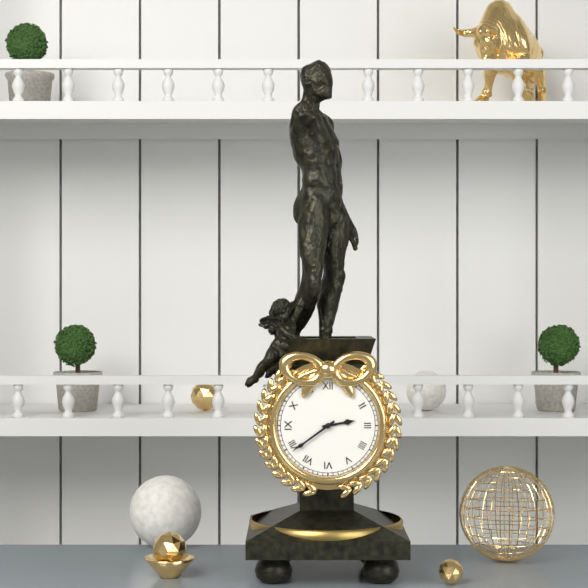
2:39
